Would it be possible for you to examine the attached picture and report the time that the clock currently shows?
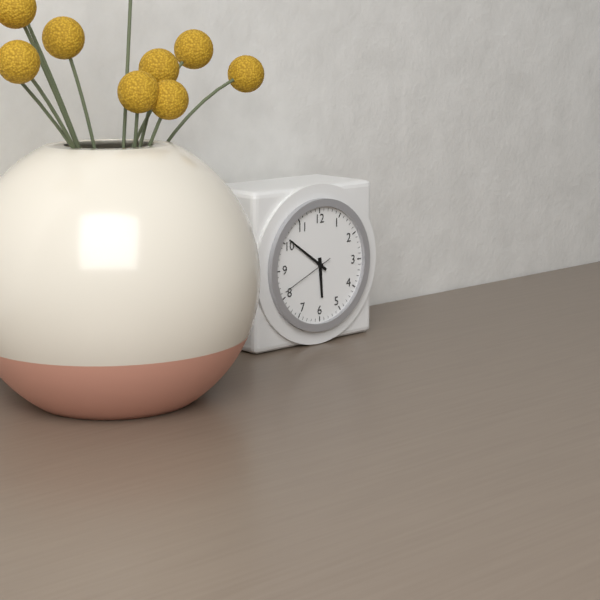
5:51:41
